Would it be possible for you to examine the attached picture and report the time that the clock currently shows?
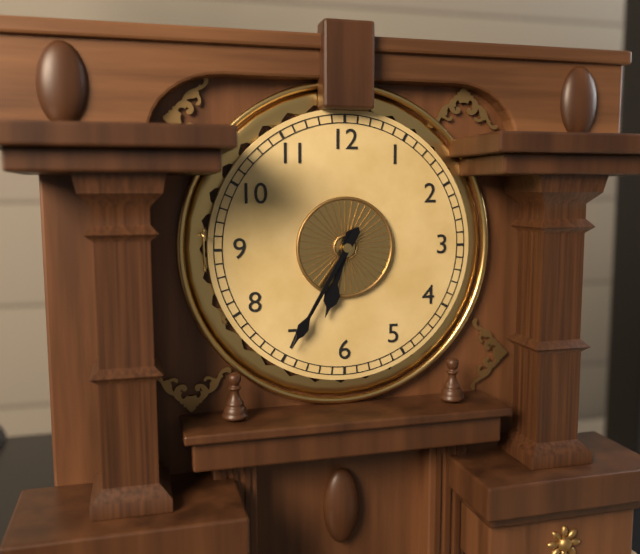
6:35
